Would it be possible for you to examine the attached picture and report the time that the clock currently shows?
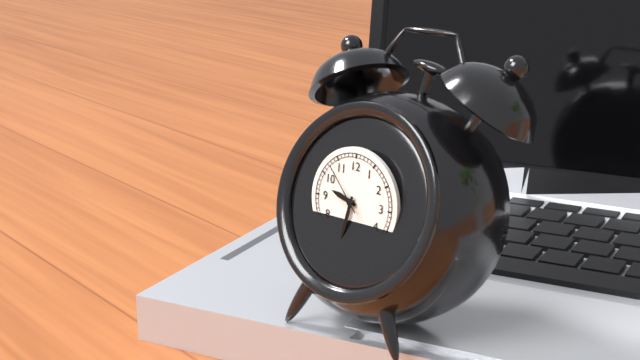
9:32:53
